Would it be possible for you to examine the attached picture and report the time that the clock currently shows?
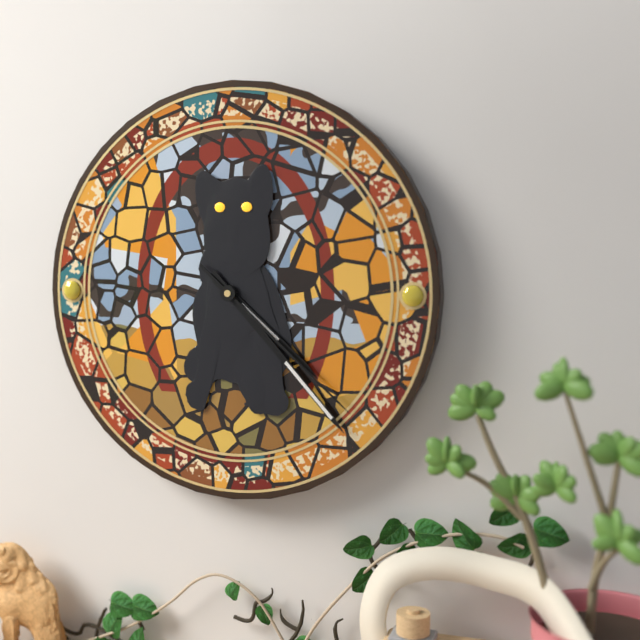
4:23:22
